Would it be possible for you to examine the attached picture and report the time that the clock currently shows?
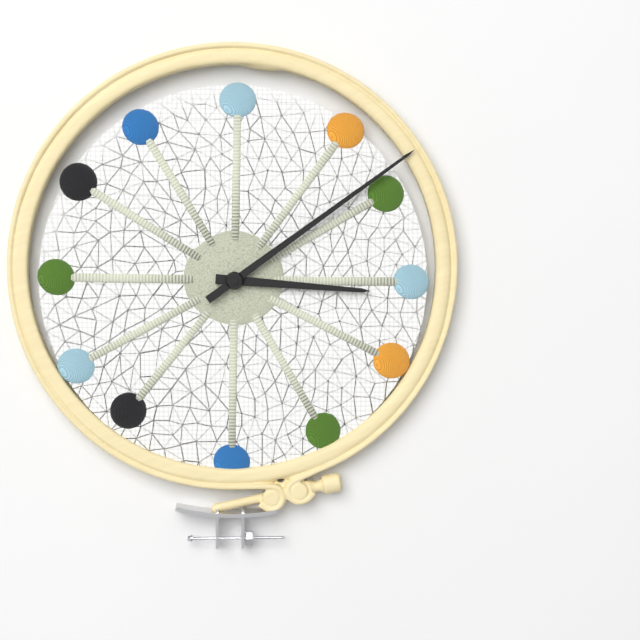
3:09
